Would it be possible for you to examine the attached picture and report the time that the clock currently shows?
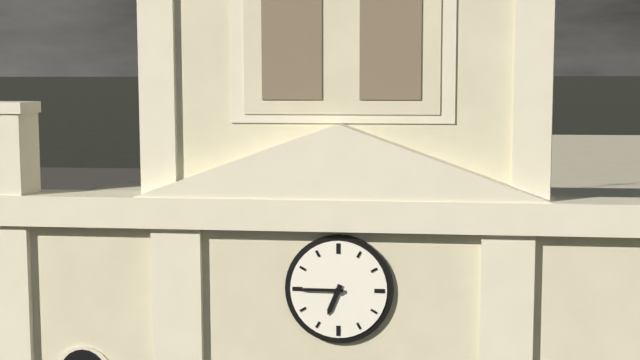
6:45
